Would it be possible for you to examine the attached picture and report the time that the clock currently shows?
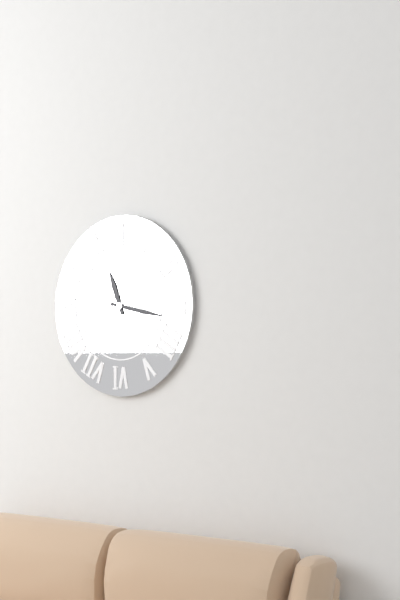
11:17
